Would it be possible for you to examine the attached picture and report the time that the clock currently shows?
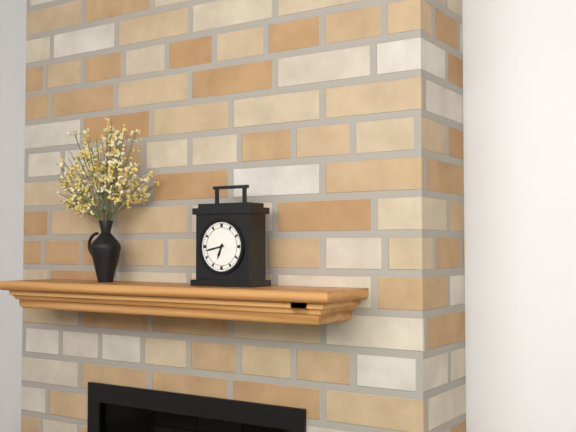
6:43
